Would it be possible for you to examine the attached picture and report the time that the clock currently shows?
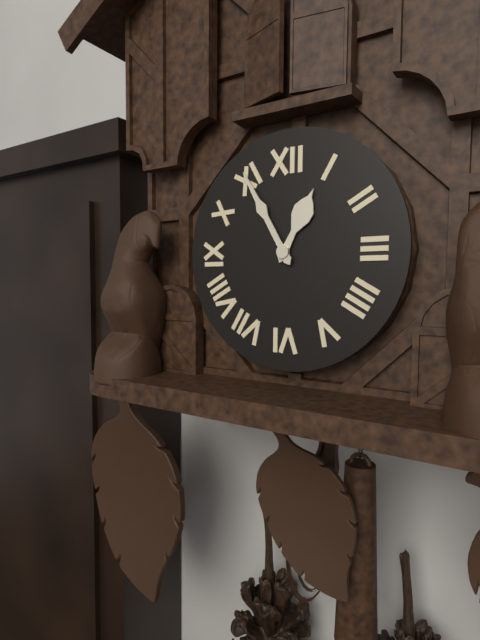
12:55
